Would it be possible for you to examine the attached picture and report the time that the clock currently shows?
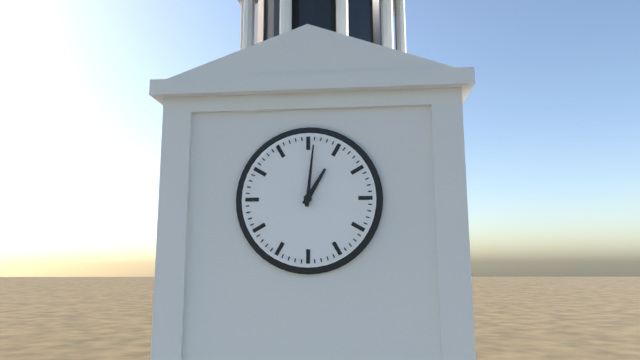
1:01
